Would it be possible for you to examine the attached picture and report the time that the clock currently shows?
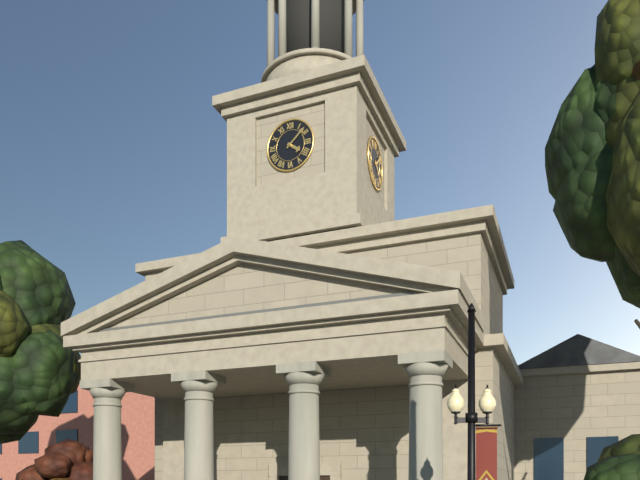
4:08
